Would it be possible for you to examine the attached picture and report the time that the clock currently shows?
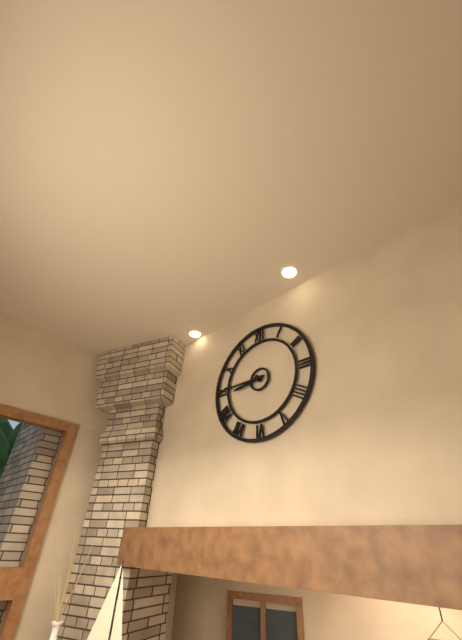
8:45
